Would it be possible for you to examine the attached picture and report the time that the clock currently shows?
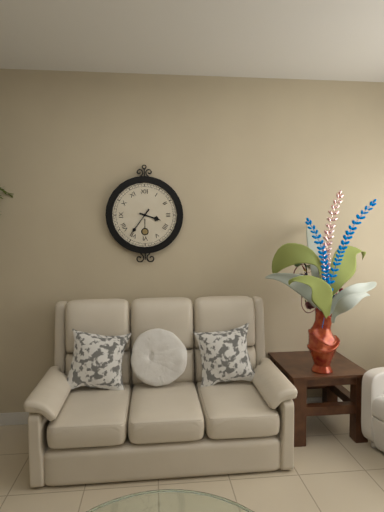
3:36
